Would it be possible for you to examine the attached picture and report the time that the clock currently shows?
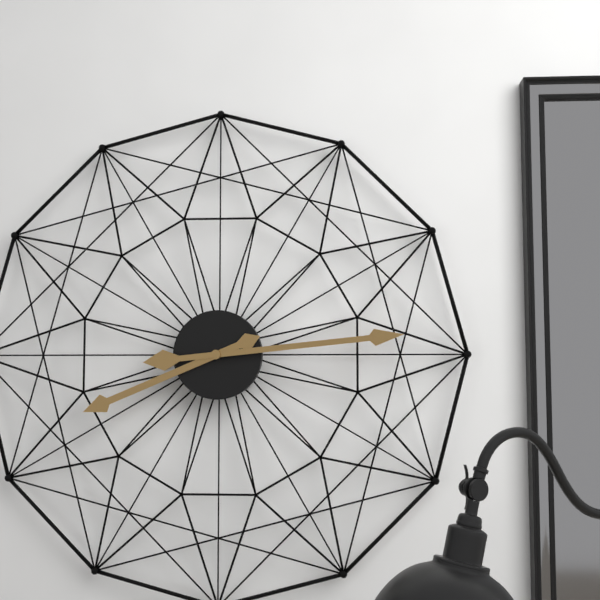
8:14
